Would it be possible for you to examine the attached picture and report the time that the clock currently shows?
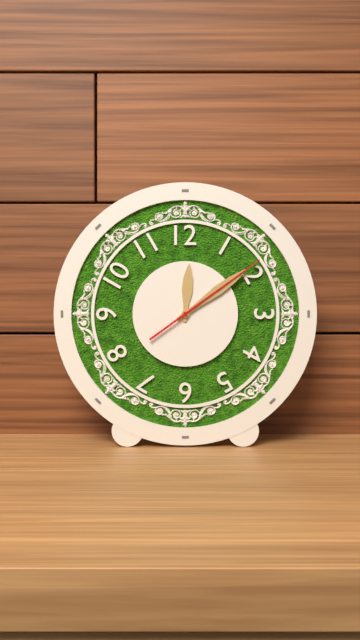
12:09:09
